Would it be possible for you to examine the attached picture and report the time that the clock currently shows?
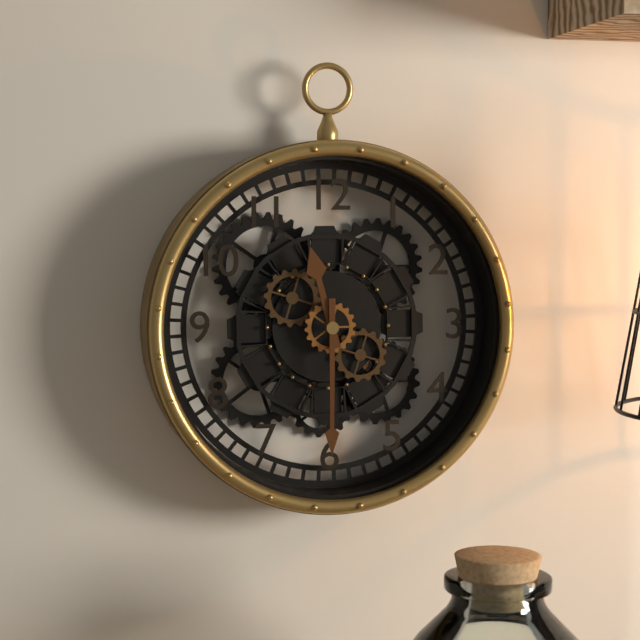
11:30
